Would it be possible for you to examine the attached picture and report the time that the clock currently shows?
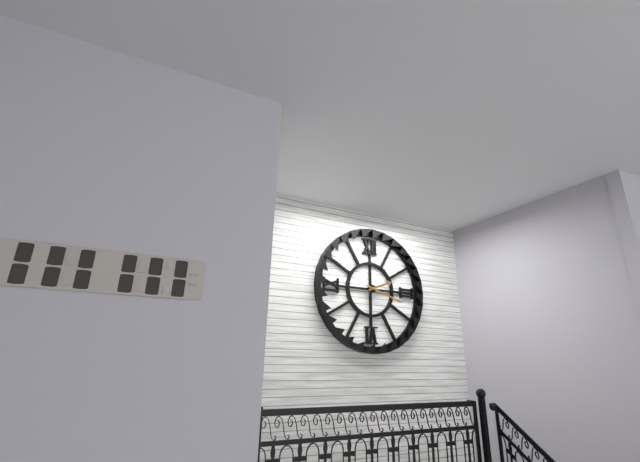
2:18
